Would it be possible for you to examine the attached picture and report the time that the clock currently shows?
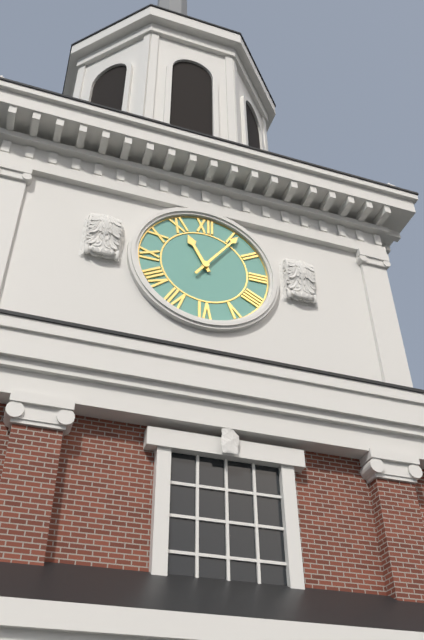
11:06
